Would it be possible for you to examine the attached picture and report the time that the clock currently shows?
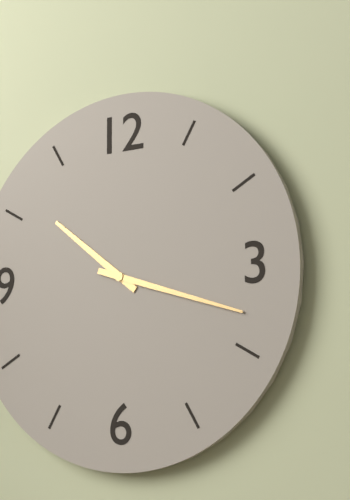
10:18
